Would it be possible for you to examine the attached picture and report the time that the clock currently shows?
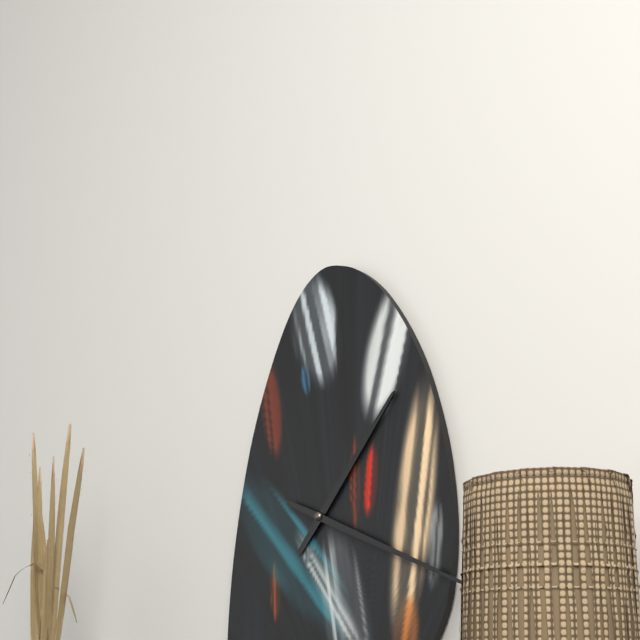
1:19
